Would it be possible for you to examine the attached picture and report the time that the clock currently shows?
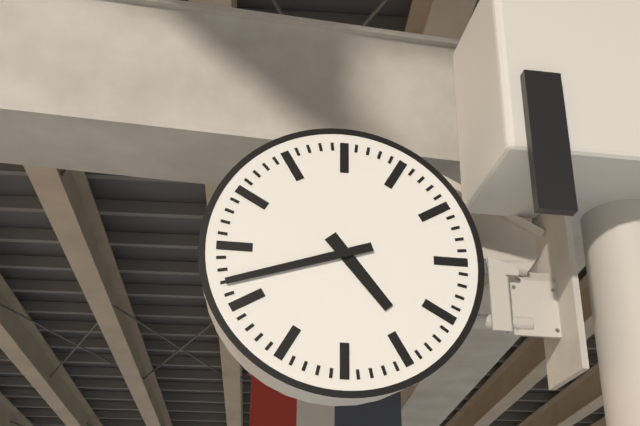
4:42
